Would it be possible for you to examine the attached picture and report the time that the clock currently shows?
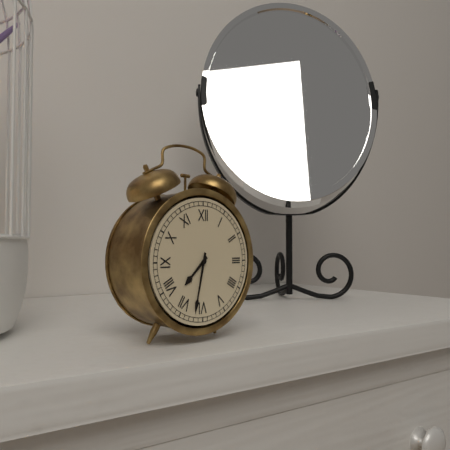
7:32
